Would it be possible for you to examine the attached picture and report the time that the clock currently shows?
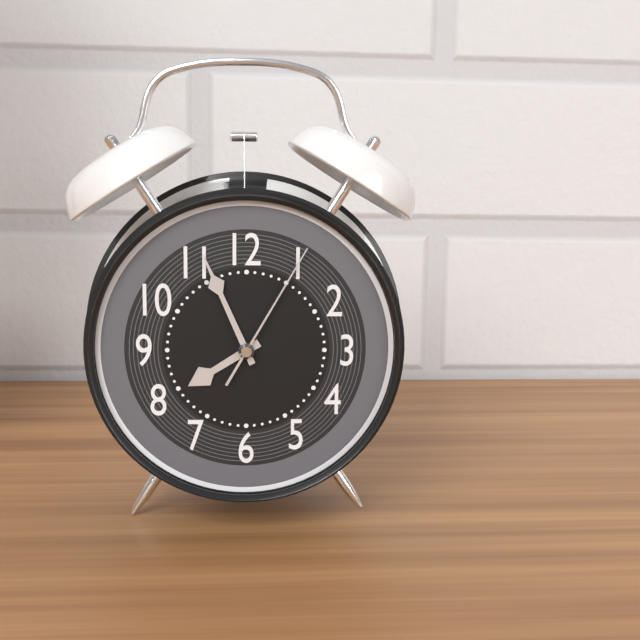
7:56:05
